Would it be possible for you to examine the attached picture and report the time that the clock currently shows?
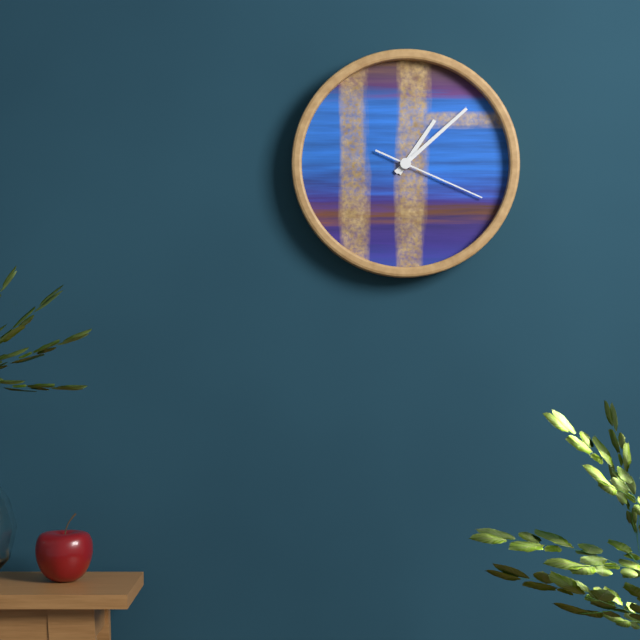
1:08:19
